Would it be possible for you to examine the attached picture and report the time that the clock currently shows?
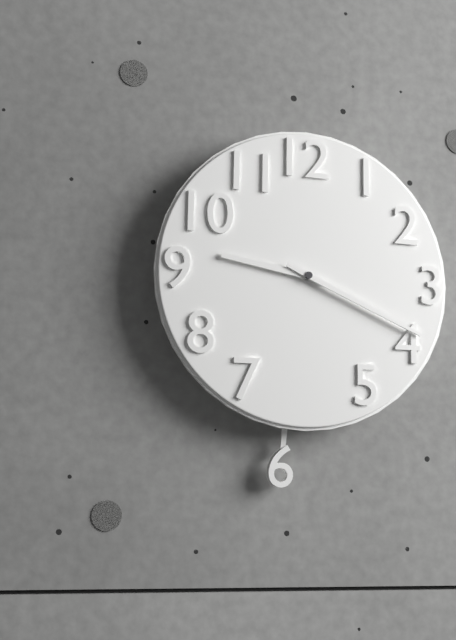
9:19
